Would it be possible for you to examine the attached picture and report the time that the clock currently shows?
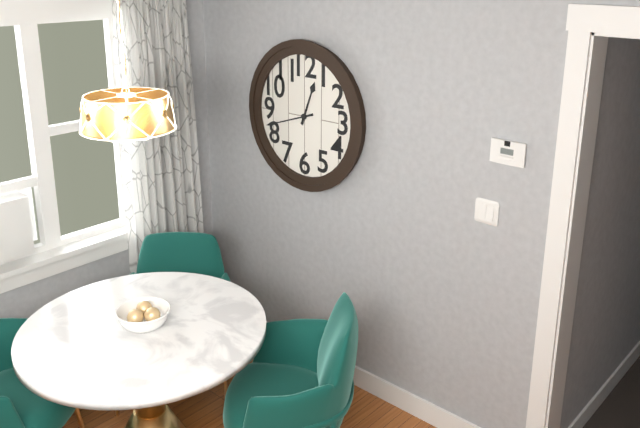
12:42
